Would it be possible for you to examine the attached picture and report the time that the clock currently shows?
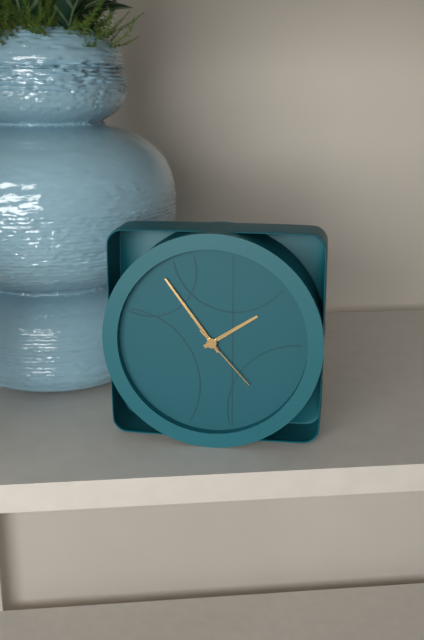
1:54:23
